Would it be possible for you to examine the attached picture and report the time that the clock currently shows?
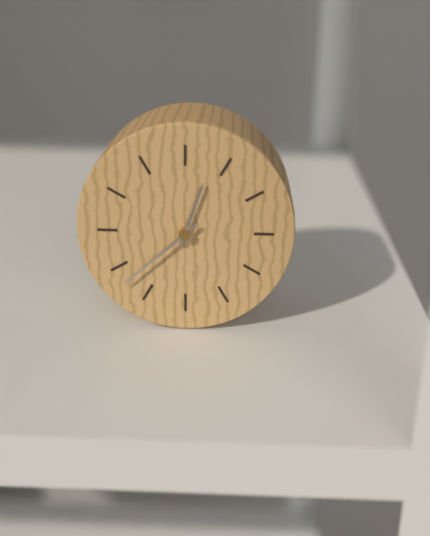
12:38
